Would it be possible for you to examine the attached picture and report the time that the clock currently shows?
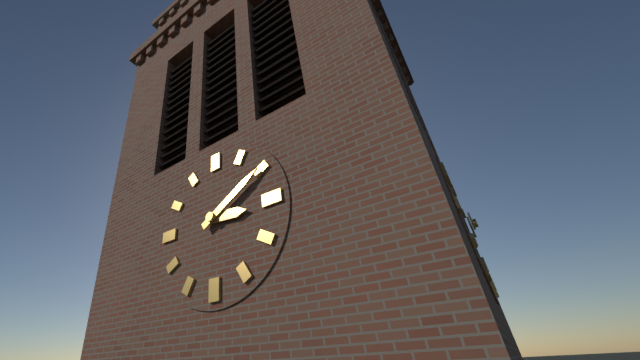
3:10
